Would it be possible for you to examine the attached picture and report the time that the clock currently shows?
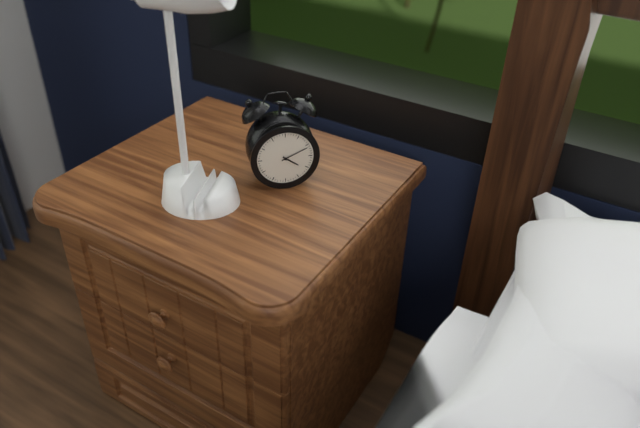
4:11
